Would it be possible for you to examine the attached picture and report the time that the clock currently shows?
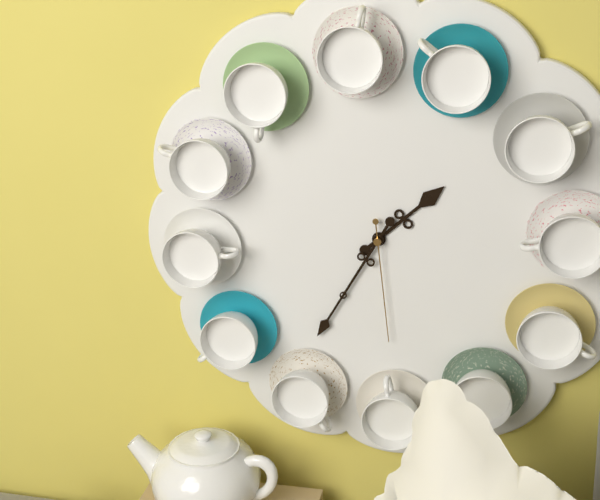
1:35:29
